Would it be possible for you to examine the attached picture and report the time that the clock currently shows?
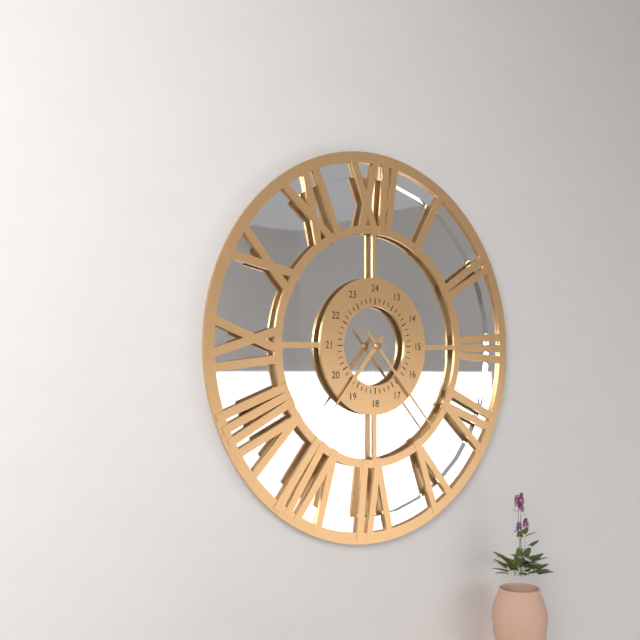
7:23
